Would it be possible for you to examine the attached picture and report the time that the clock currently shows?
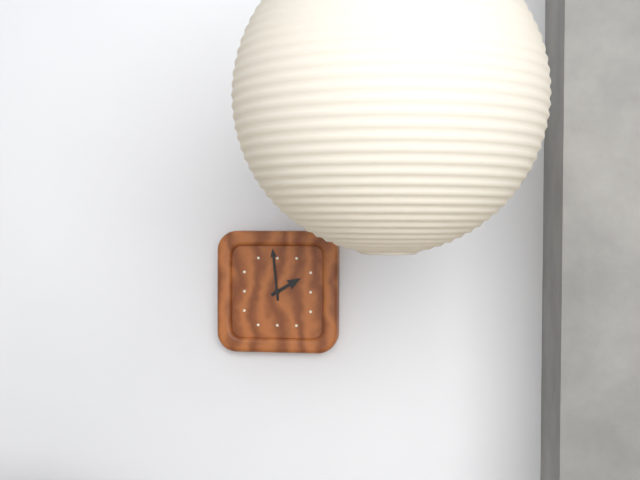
1:59
